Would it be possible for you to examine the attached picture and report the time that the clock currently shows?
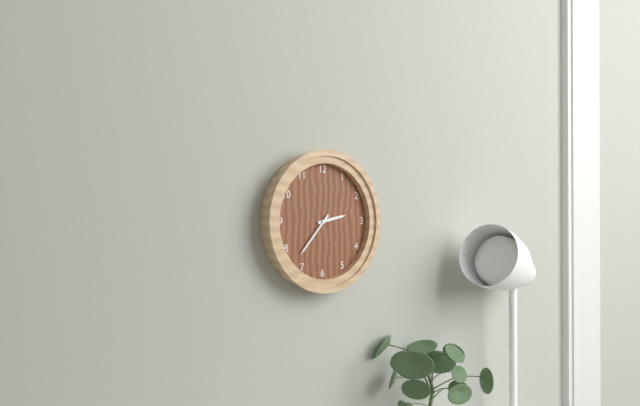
2:37
